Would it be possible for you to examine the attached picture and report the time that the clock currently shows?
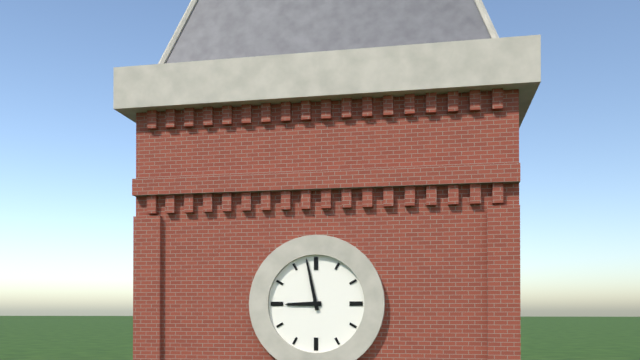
8:58
